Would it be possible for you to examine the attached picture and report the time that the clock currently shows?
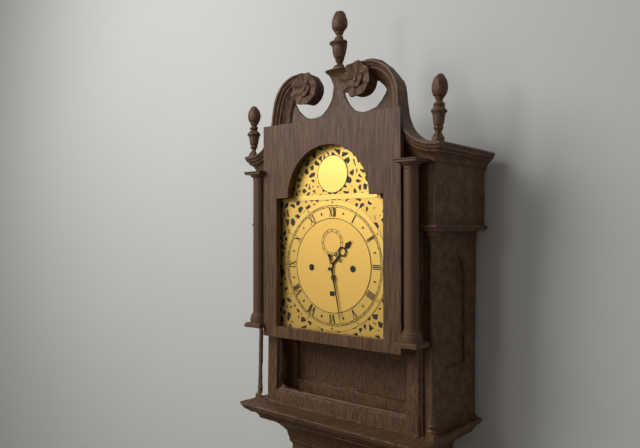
1:28
